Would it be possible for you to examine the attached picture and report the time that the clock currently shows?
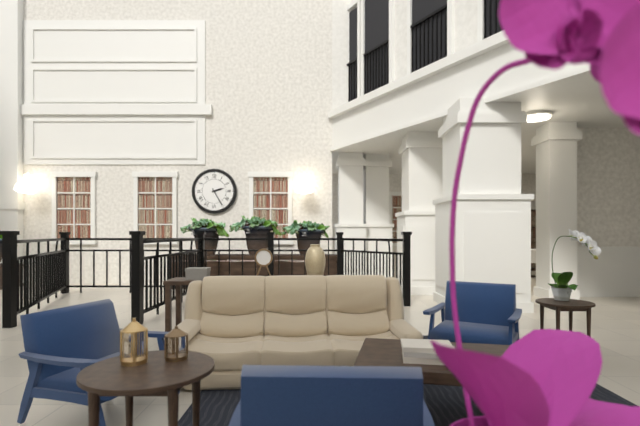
2:25
